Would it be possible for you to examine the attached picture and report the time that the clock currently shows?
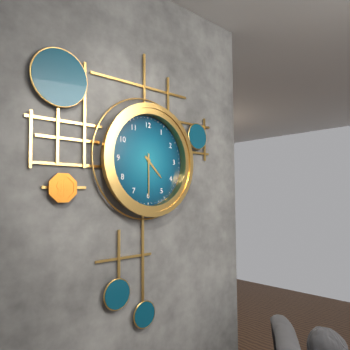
4:30
